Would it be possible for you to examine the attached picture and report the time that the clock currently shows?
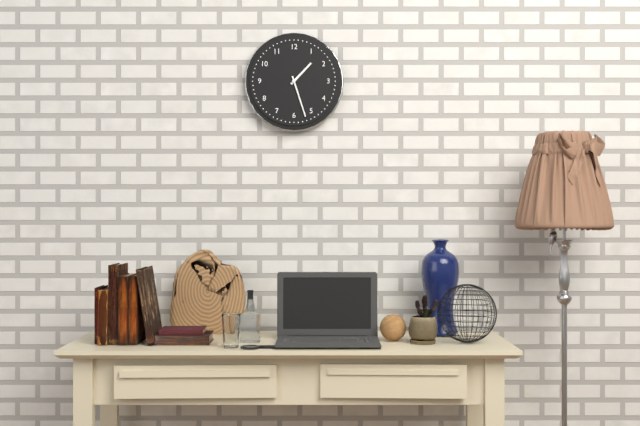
1:27
